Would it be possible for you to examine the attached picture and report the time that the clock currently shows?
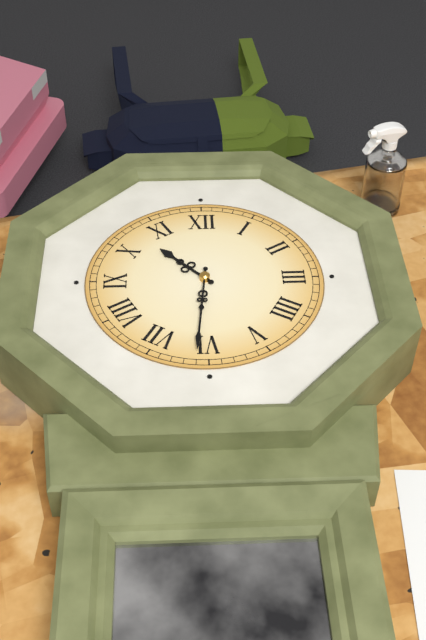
10:31
